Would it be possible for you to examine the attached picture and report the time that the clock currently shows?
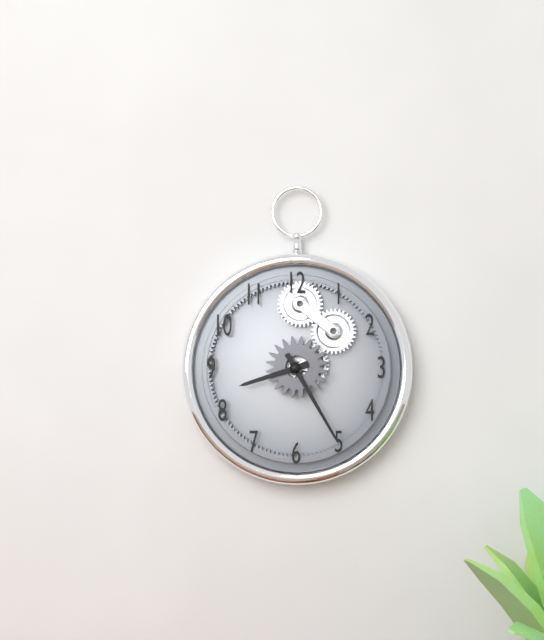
8:25
